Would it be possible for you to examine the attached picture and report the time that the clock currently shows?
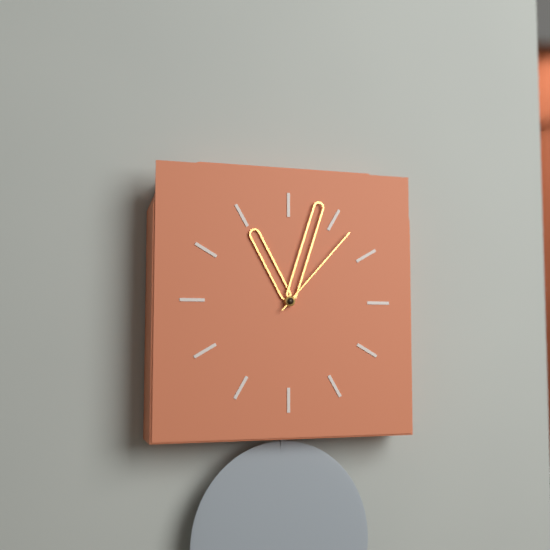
11:03:07
